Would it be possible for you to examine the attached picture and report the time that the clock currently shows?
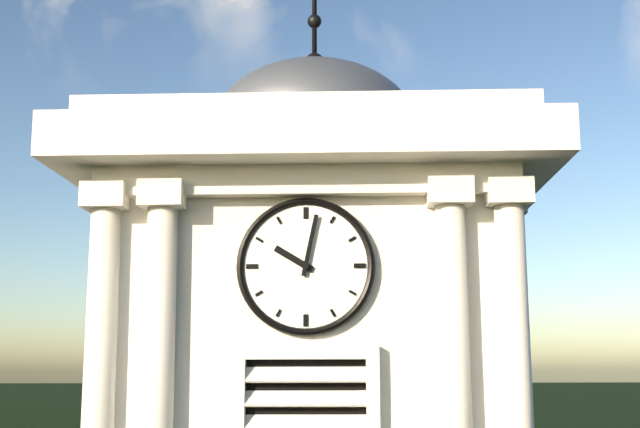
10:02
